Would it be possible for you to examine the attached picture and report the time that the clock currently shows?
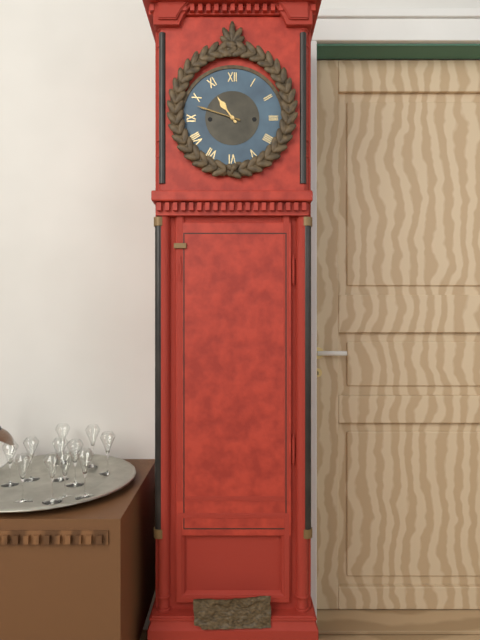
10:48
